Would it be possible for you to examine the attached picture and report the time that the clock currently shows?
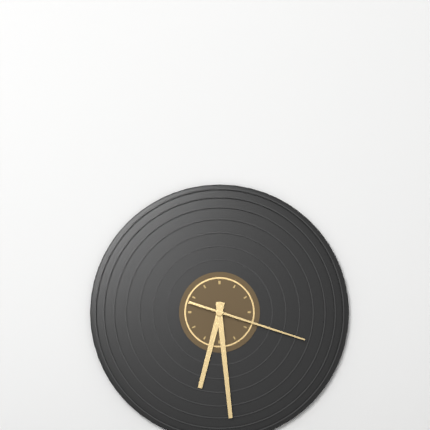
6:29:18
